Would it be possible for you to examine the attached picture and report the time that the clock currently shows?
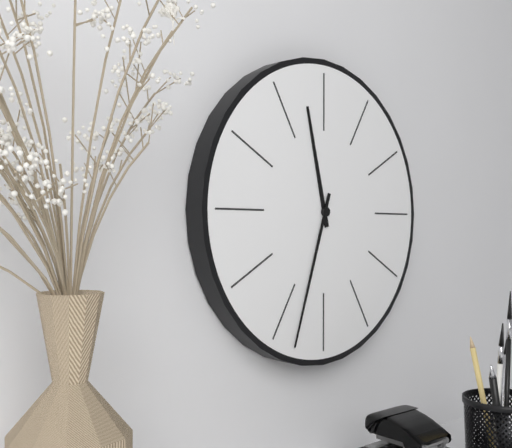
11:33
